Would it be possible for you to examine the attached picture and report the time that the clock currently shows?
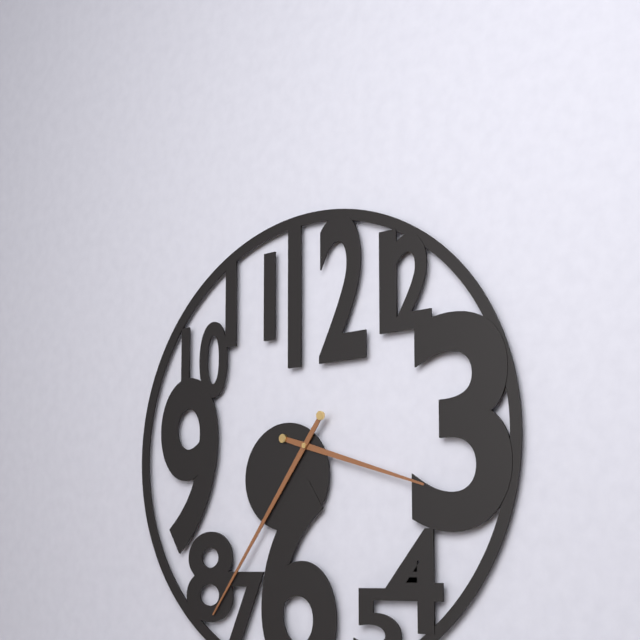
3:36
